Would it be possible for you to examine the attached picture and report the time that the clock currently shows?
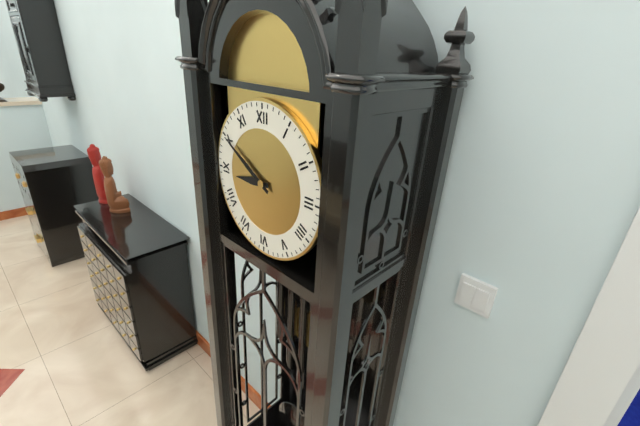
8:50
